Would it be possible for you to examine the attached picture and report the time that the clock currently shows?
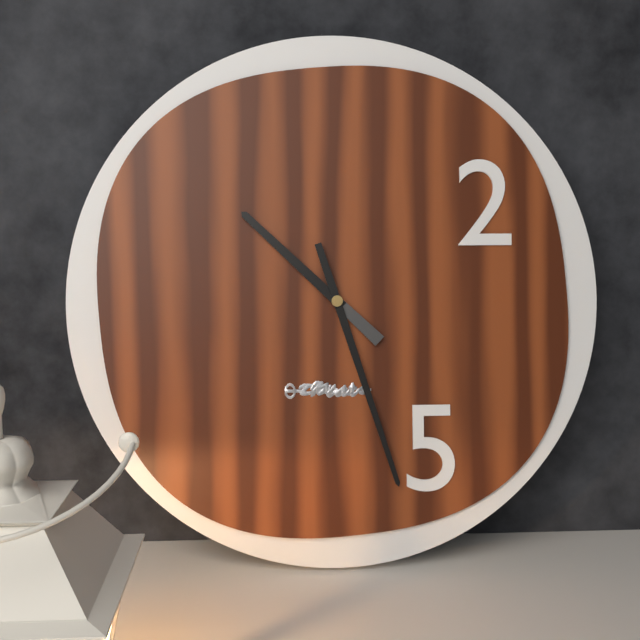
10:27
